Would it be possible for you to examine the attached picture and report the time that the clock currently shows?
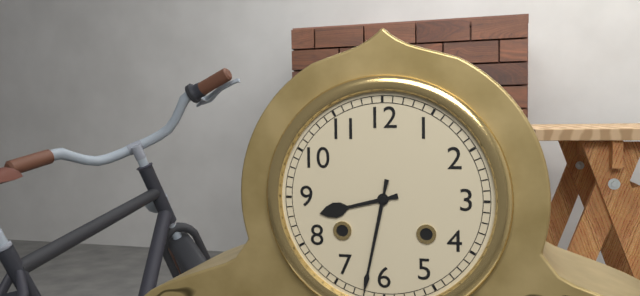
8:32
